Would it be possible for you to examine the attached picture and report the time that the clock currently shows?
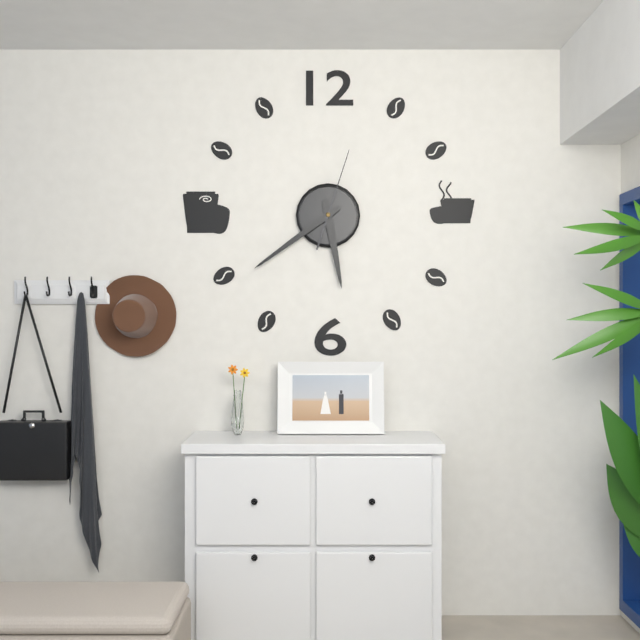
5:39:03
